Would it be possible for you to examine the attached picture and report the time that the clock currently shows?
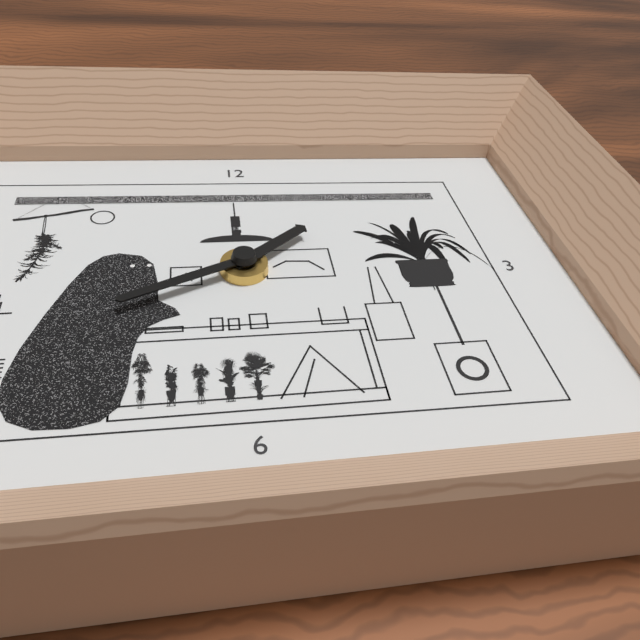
1:41
